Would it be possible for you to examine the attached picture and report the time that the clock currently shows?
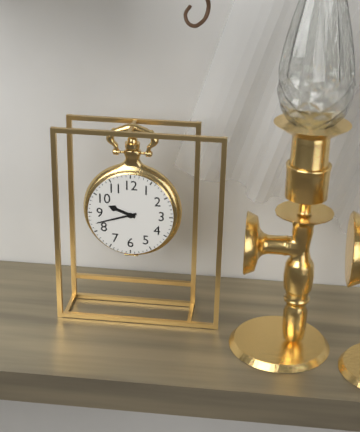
9:42
